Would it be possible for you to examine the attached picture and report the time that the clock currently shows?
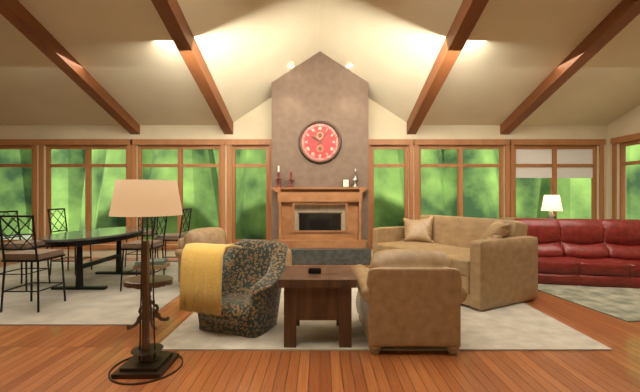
10:06
